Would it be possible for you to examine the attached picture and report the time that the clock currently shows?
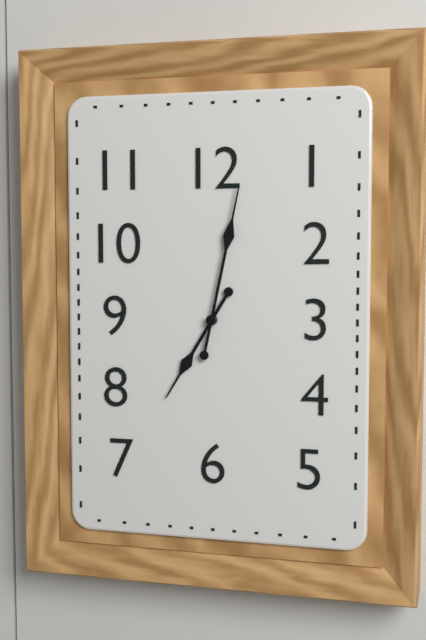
7:02
